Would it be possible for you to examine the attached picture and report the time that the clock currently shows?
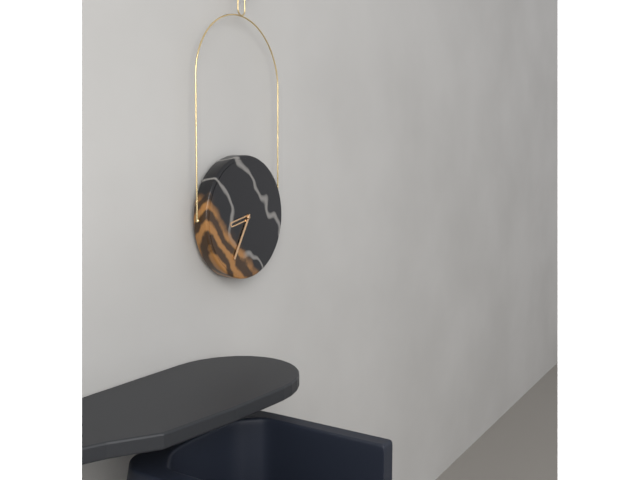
8:35
